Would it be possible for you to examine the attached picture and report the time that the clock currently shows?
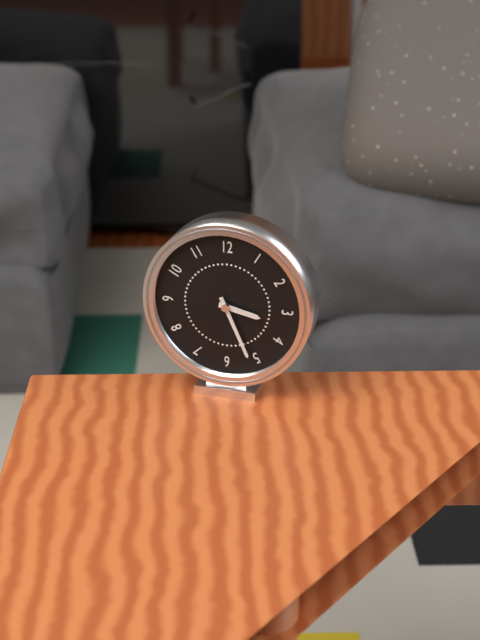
3:26
